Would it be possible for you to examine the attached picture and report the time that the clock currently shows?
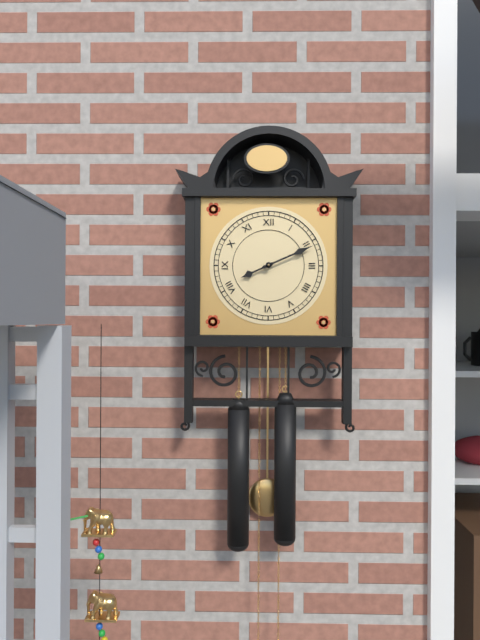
8:11
